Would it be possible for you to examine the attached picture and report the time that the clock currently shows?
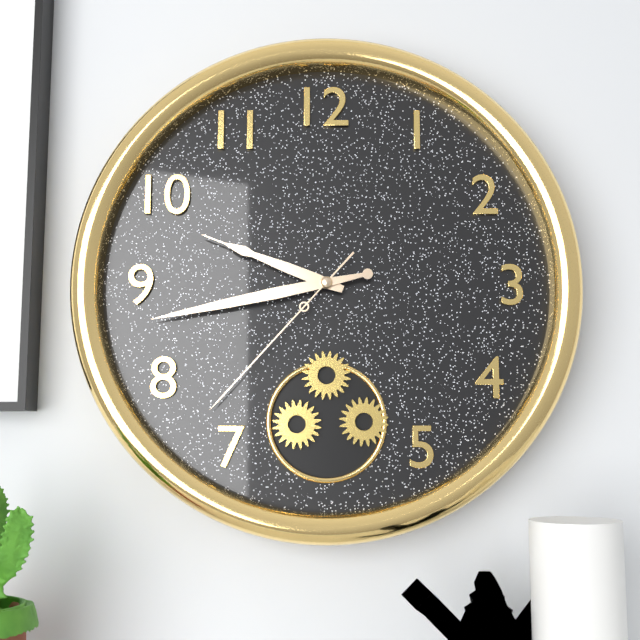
9:43:37
